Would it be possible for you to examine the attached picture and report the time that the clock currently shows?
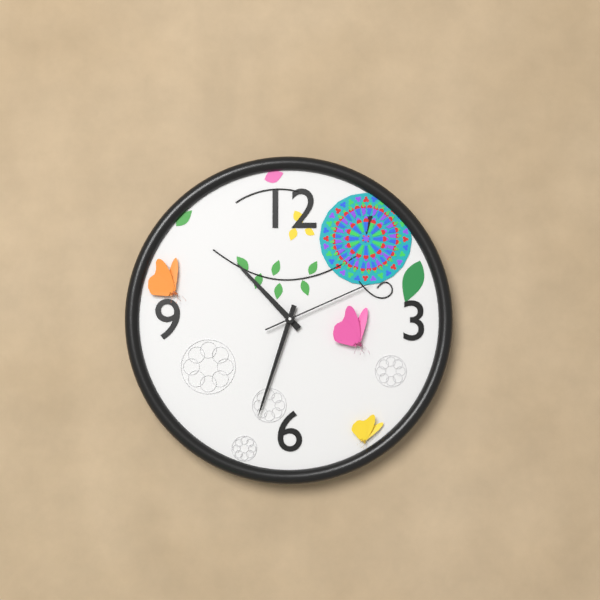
10:33:11
